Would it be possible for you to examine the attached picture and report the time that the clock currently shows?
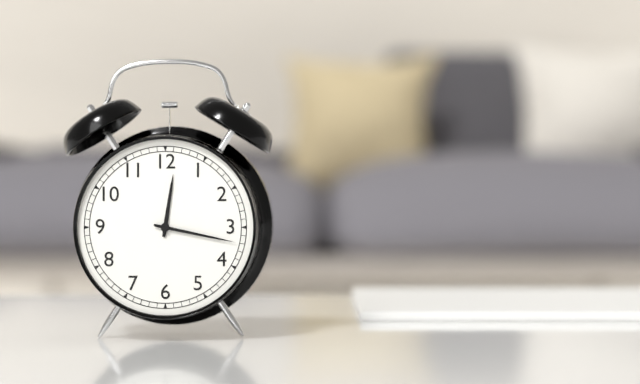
12:17
